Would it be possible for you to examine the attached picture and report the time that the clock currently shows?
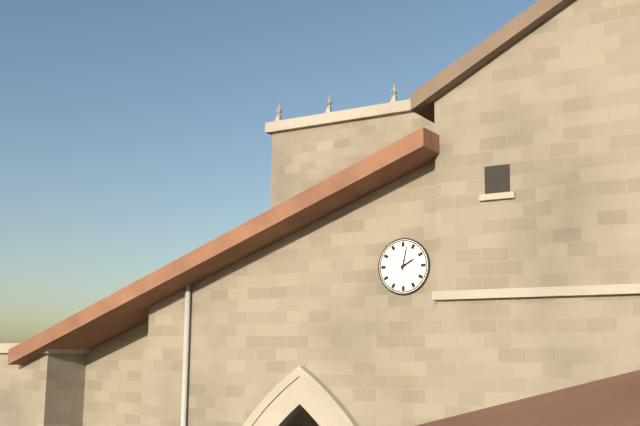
2:02
